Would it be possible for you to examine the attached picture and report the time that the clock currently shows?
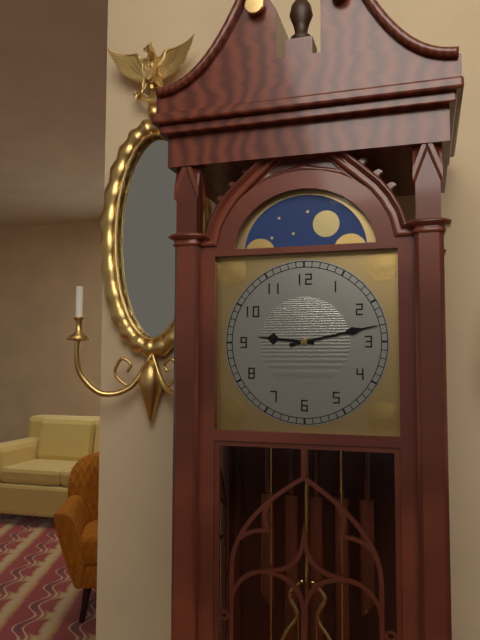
9:13
